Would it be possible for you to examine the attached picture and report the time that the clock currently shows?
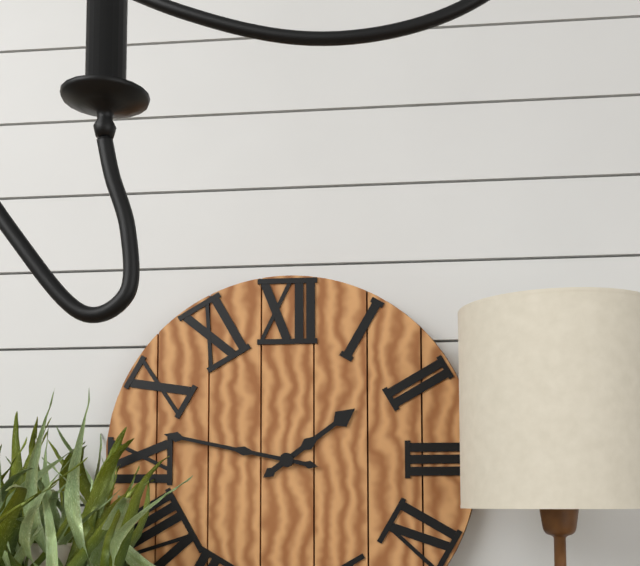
1:47
